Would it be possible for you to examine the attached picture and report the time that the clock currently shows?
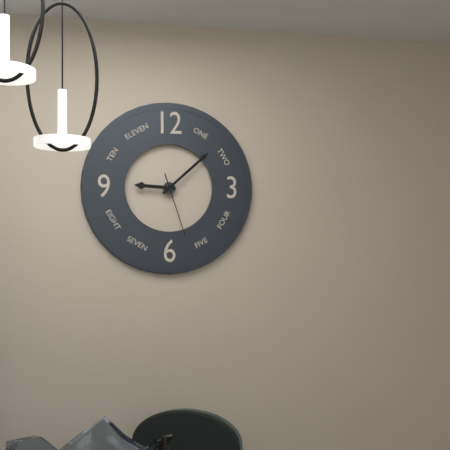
9:08:27
